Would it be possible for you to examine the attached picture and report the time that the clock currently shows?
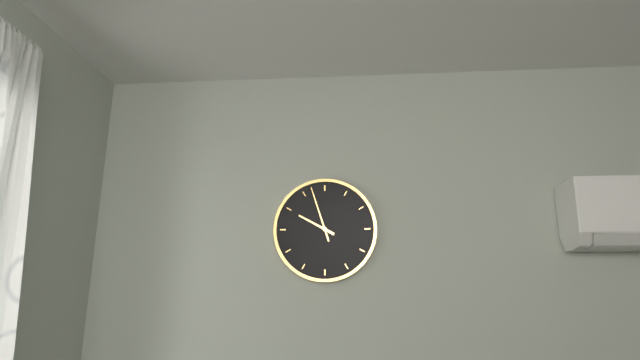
9:57
